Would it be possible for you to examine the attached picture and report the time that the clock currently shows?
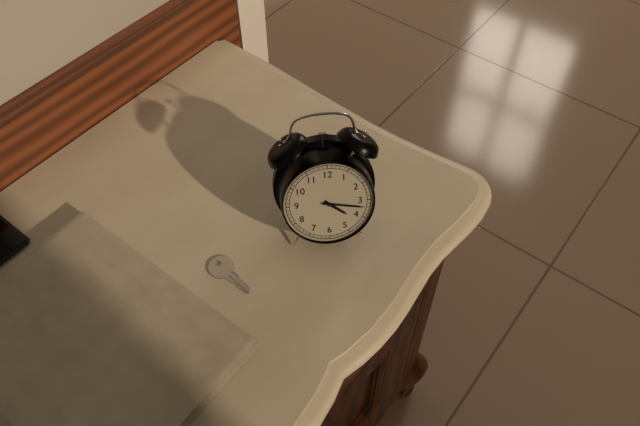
4:17
